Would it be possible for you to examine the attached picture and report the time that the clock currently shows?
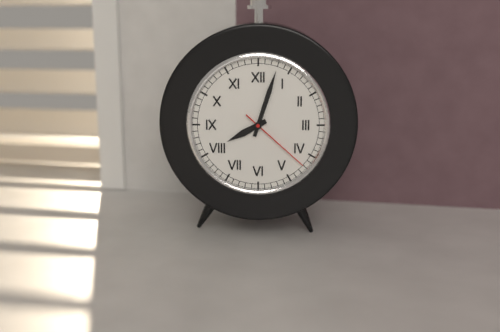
8:03:22
